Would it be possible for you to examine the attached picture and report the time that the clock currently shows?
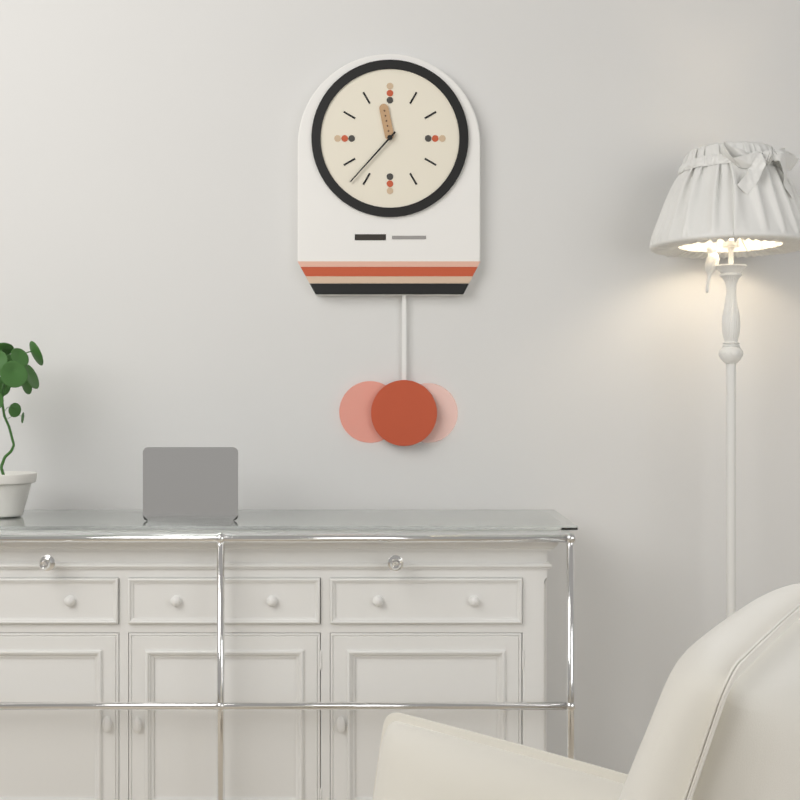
11:37
